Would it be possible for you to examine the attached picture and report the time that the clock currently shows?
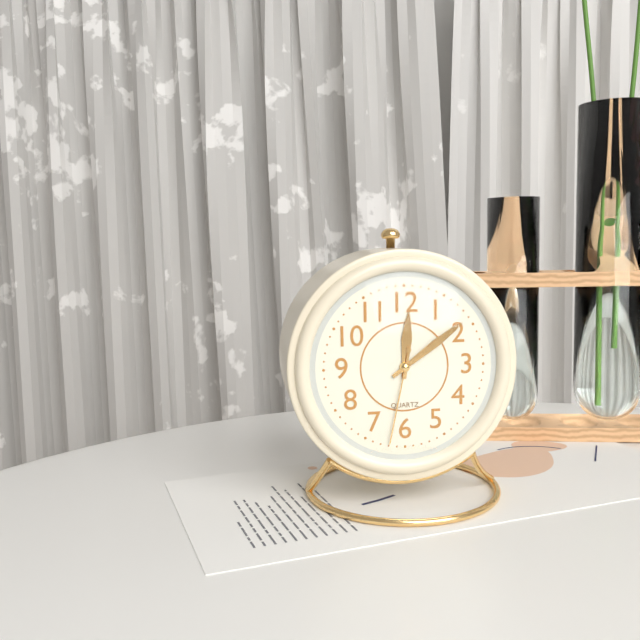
12:09:32
